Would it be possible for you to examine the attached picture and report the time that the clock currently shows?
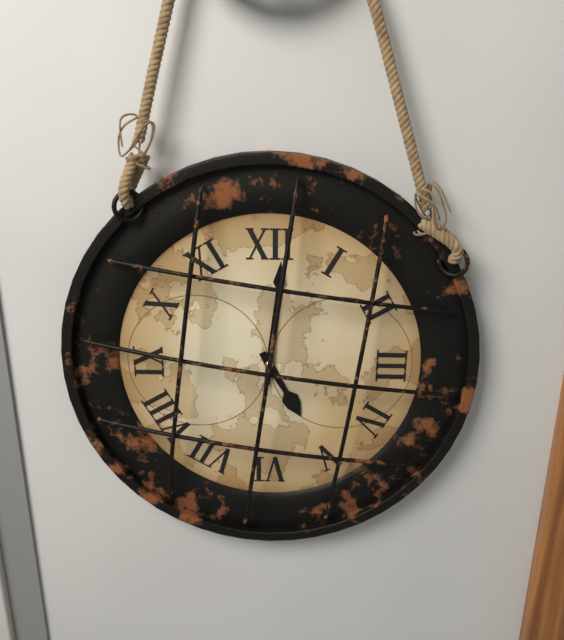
5:01
